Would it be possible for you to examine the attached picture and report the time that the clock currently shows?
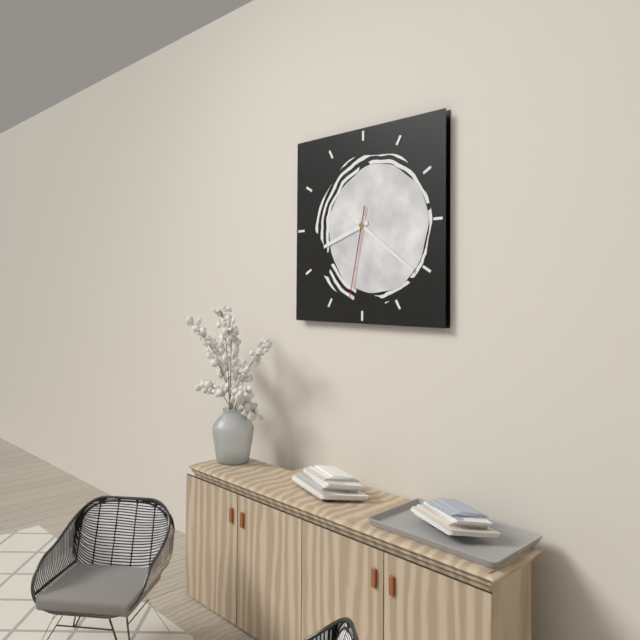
8:21:32
